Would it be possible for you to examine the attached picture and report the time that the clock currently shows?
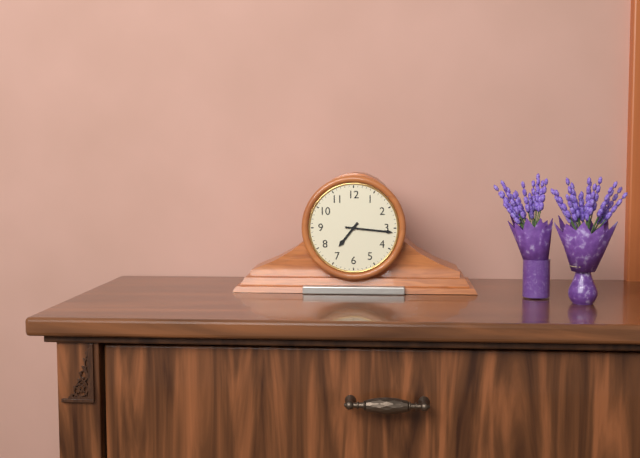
7:16
